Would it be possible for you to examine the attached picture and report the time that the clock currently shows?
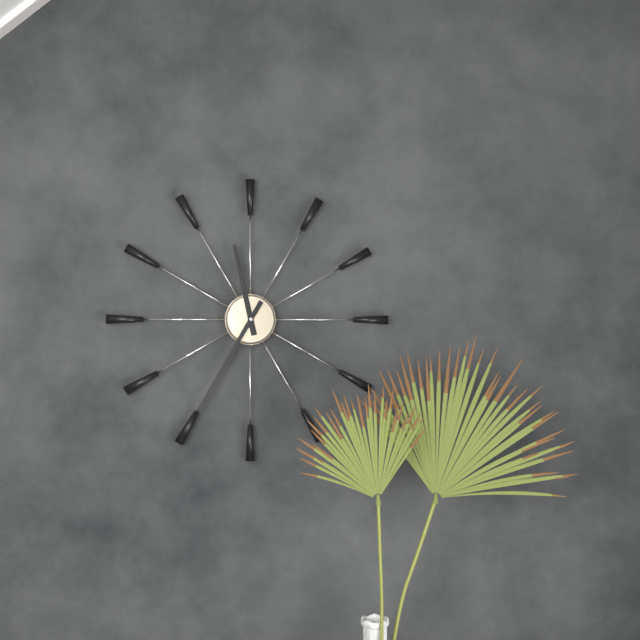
11:35
